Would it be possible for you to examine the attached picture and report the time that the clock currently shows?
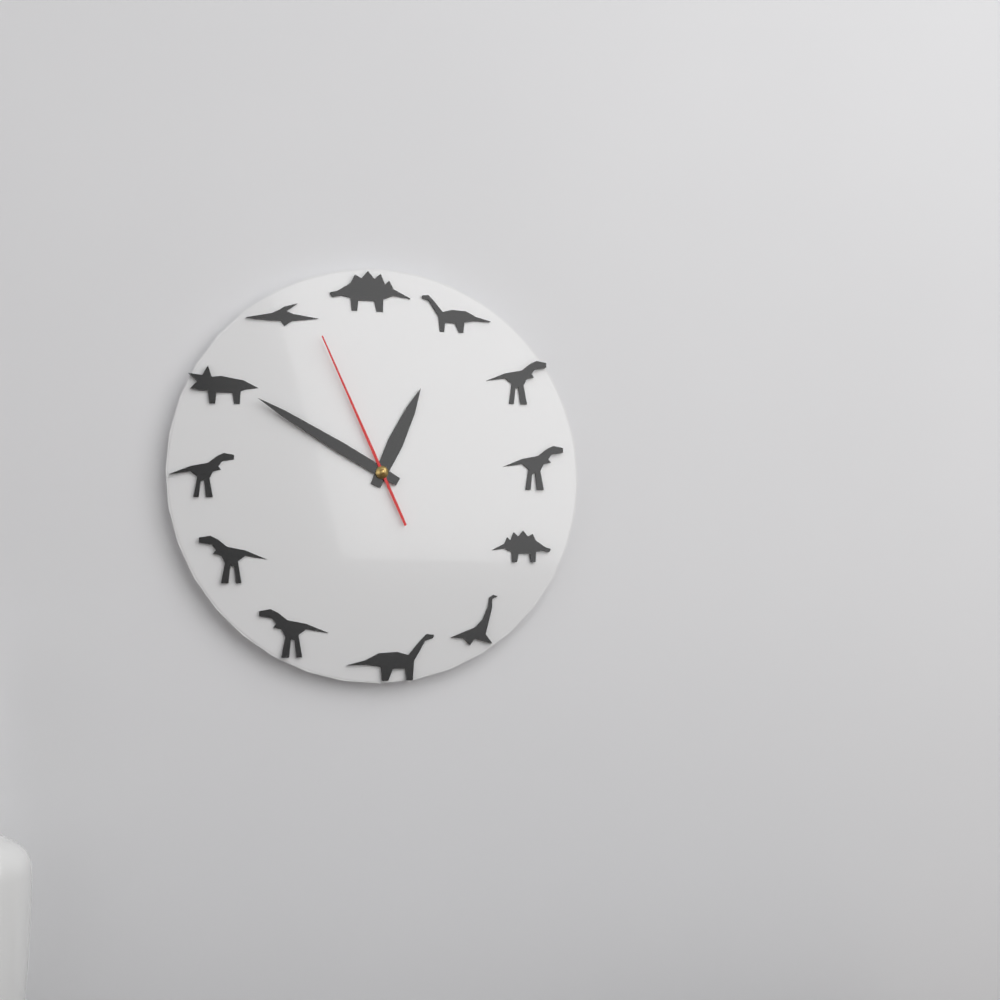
12:50:56
